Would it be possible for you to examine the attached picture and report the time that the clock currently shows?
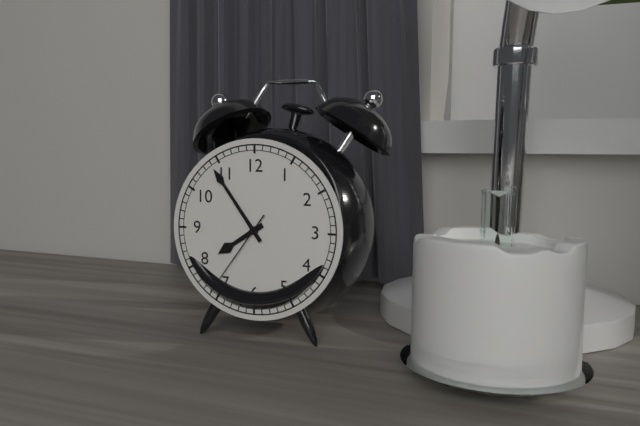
7:54:36
